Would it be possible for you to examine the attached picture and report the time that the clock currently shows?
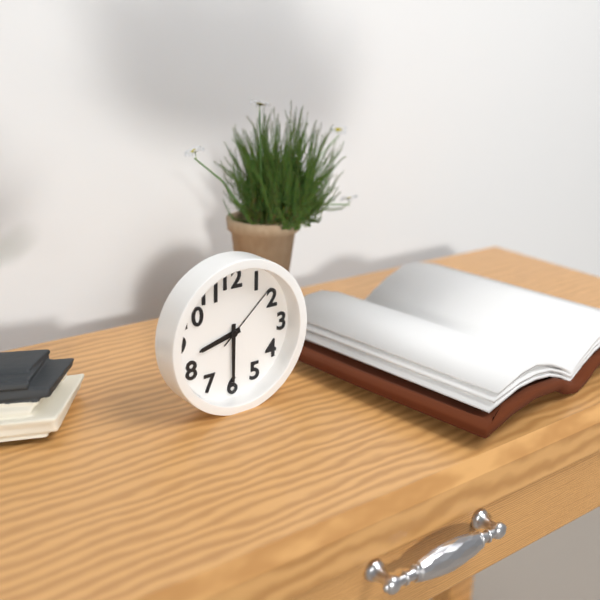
8:30:08
